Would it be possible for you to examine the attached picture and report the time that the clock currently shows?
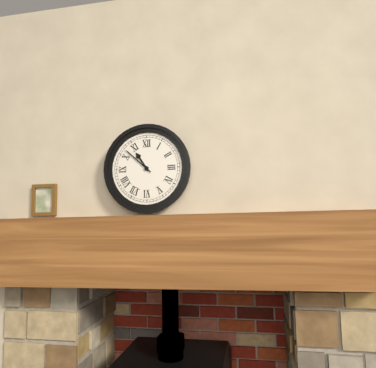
10:52
